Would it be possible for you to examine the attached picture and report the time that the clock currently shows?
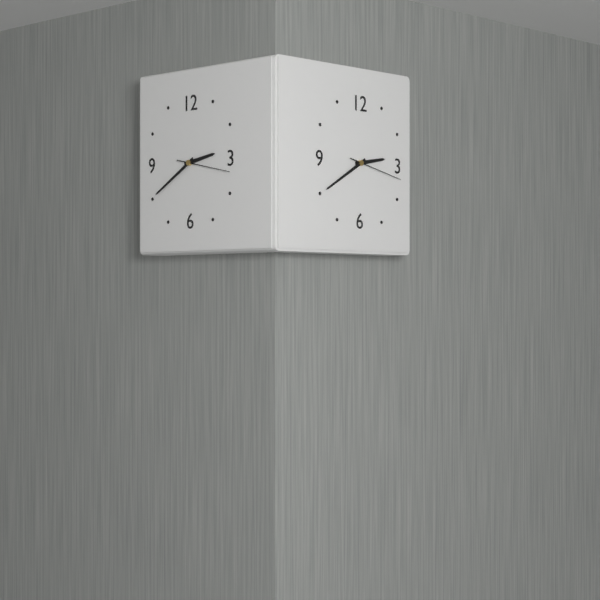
2:40:17
